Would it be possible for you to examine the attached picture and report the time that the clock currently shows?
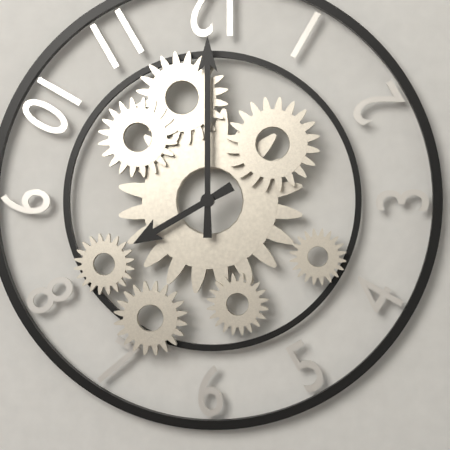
8:00
